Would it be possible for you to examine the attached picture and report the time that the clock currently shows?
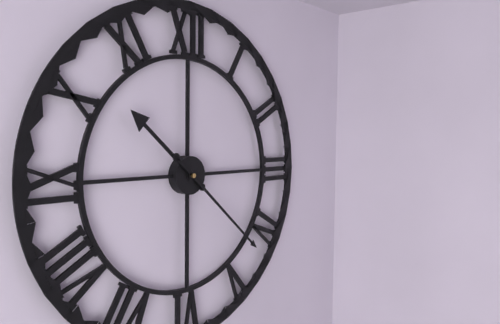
10:22
